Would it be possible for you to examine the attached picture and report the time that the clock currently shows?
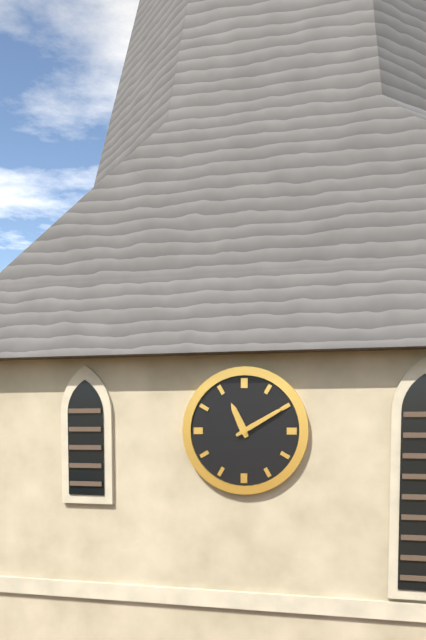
11:10
